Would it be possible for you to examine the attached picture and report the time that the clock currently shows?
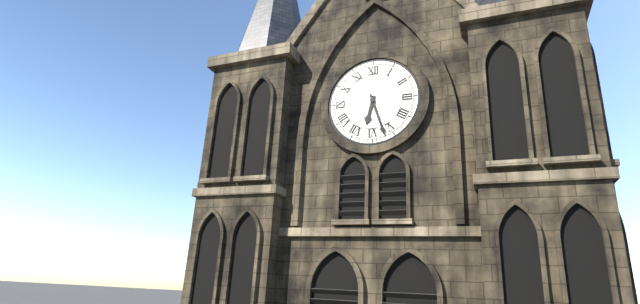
6:27
